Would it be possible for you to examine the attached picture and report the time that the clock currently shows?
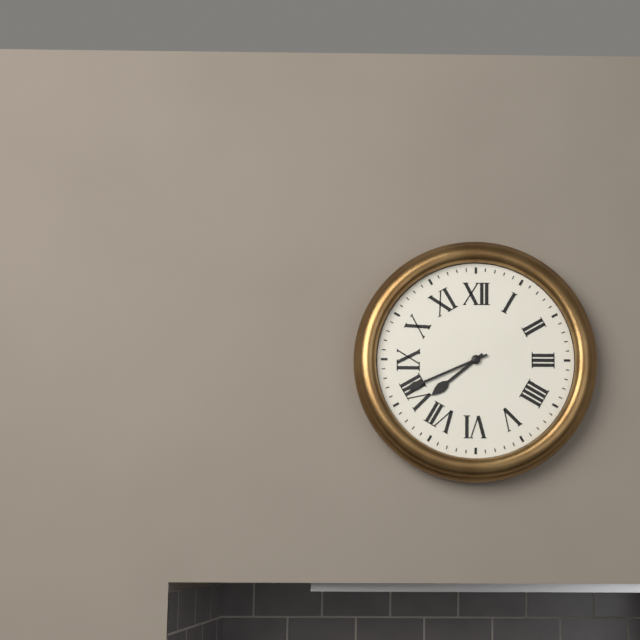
7:41
